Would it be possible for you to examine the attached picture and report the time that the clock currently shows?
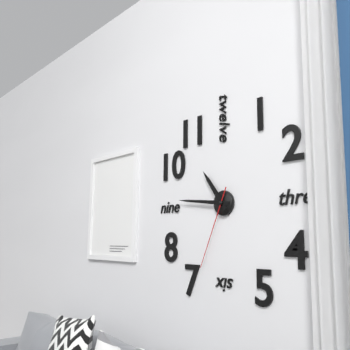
10:46:34
